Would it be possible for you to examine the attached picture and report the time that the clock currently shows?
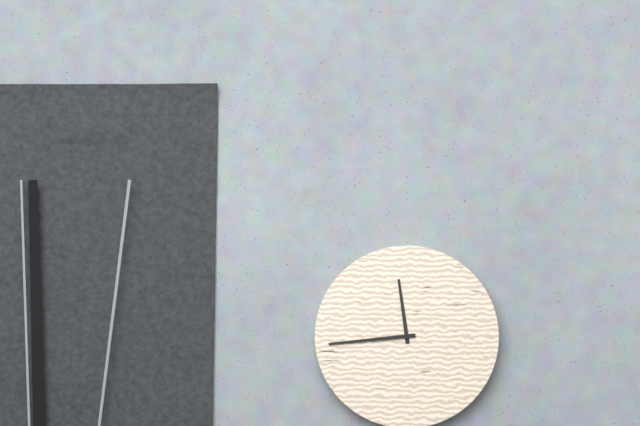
11:44
